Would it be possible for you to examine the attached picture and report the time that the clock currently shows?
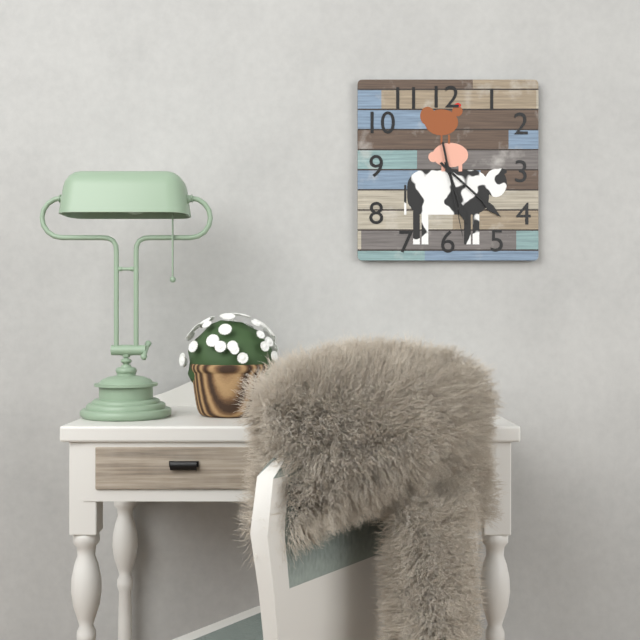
5:22:28
